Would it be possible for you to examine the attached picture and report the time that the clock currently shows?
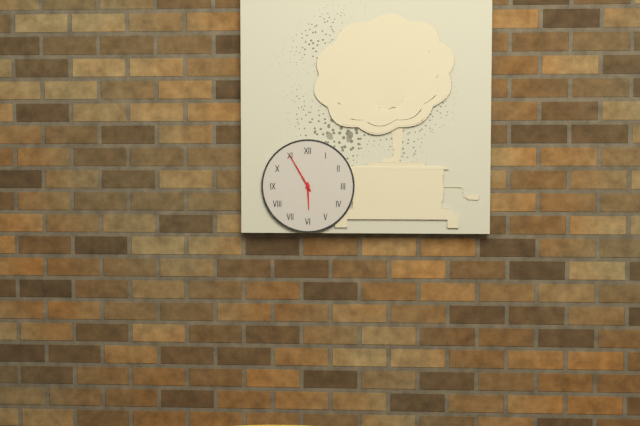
5:55
